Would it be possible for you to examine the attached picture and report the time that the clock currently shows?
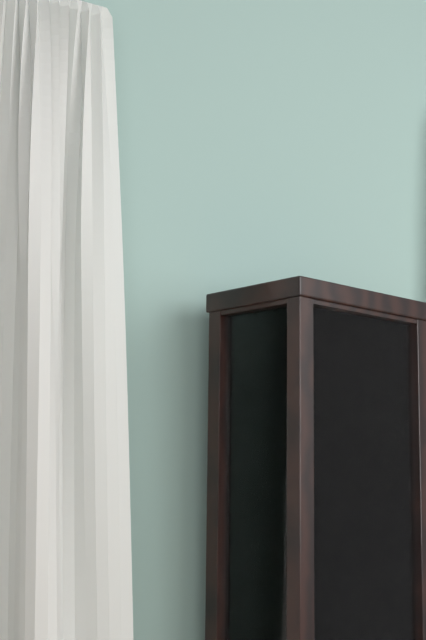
6:27
